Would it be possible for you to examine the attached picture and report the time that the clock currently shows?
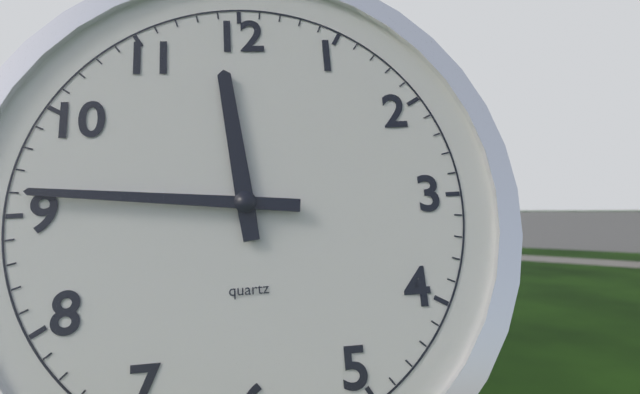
11:46
